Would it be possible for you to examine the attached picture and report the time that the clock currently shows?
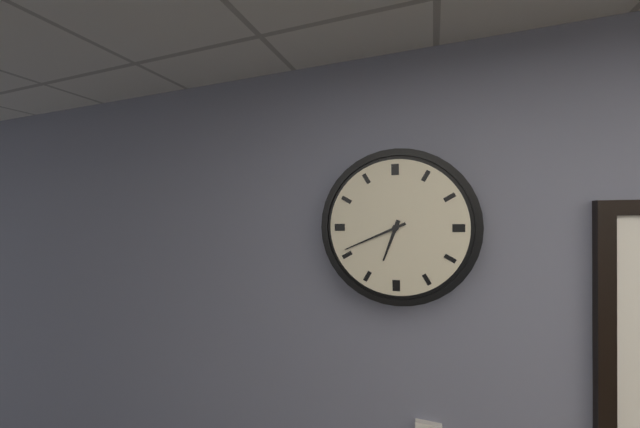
6:41
